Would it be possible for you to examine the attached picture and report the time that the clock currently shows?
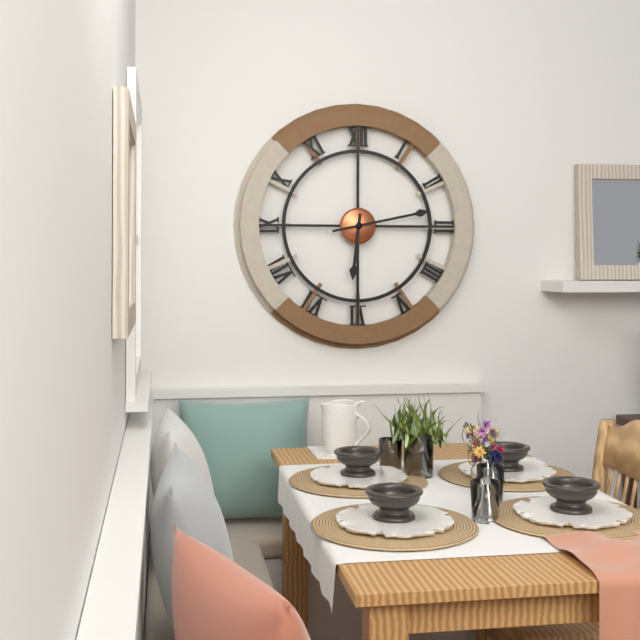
6:13
